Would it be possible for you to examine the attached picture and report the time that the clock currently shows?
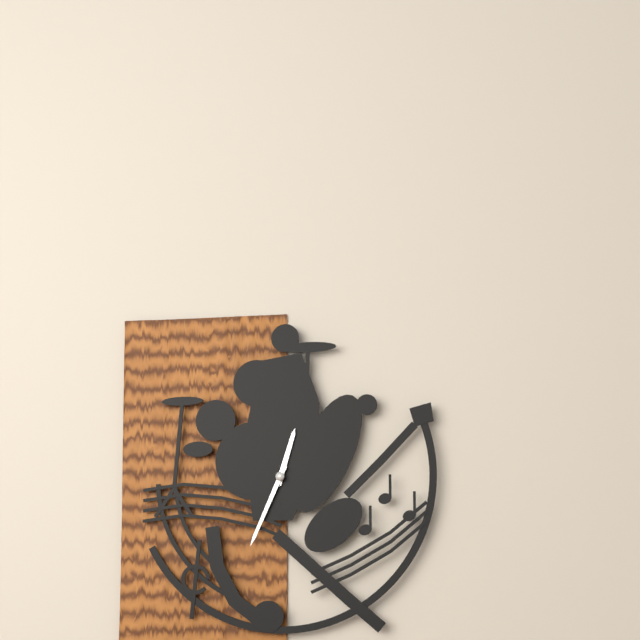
12:34
